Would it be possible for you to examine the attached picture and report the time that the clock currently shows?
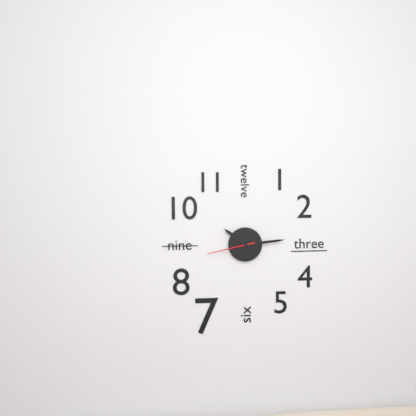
10:14
